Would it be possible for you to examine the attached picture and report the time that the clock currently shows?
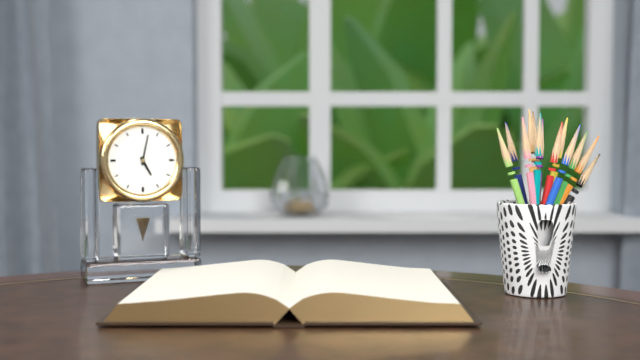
5:02
